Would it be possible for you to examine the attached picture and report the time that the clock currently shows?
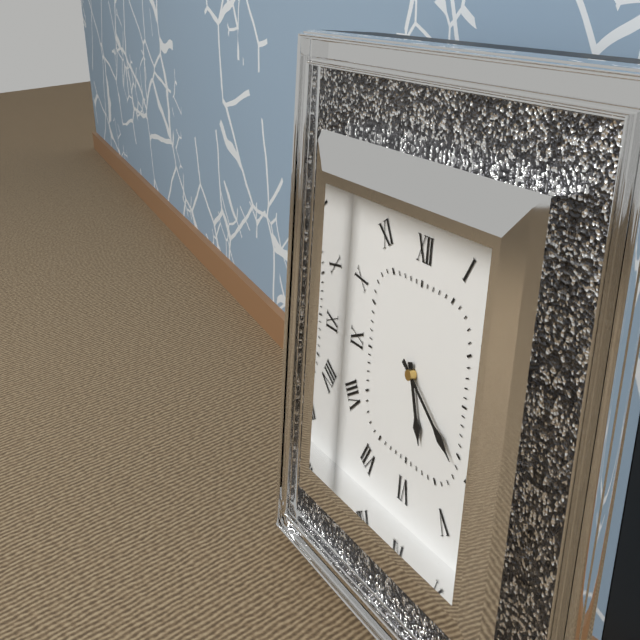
5:21
